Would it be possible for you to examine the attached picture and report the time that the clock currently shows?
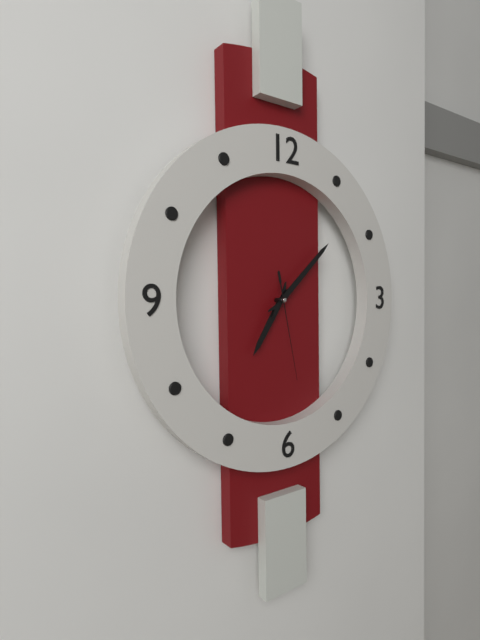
7:08:28
